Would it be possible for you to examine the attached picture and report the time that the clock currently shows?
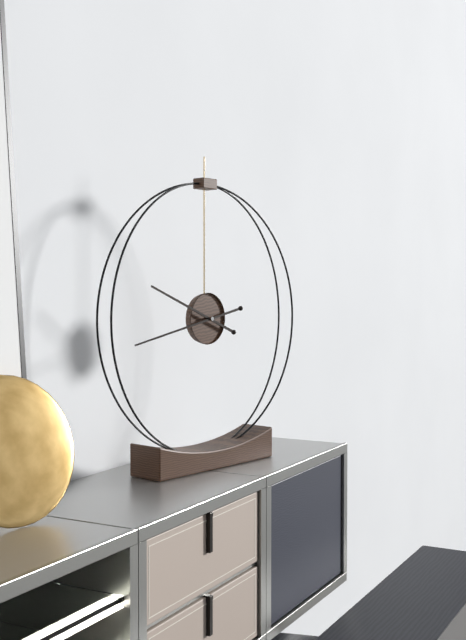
9:43
